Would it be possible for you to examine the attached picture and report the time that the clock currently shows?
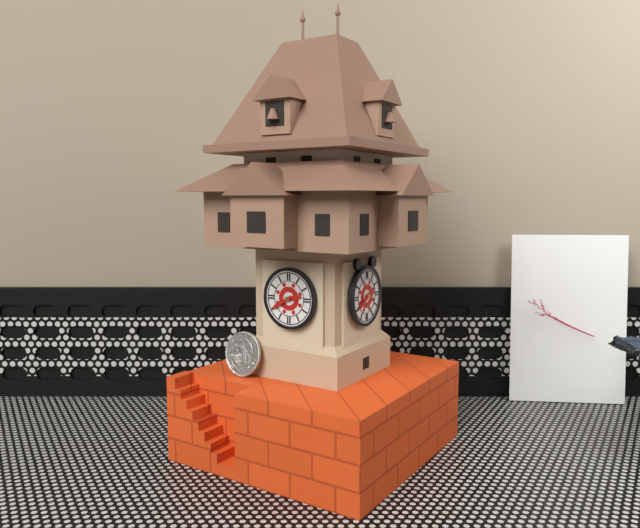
2:40
